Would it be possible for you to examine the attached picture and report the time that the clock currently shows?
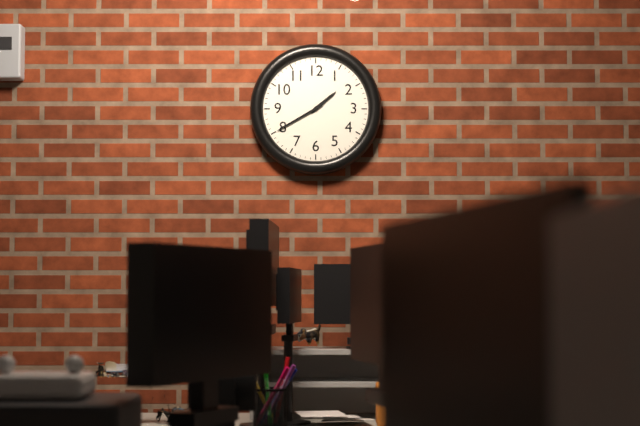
1:40
